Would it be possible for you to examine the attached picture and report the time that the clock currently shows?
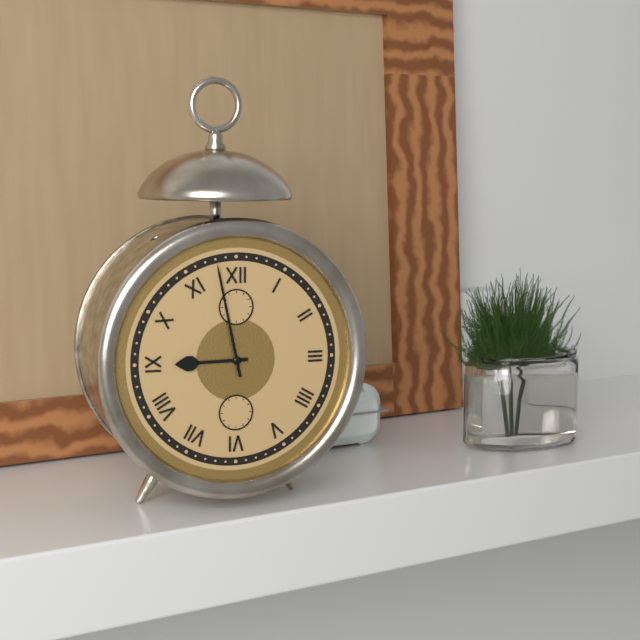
8:58
